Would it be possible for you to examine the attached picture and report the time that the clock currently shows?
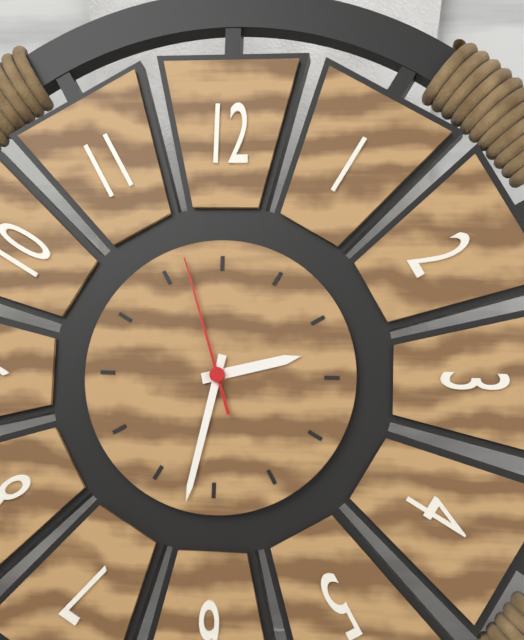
2:32:57
